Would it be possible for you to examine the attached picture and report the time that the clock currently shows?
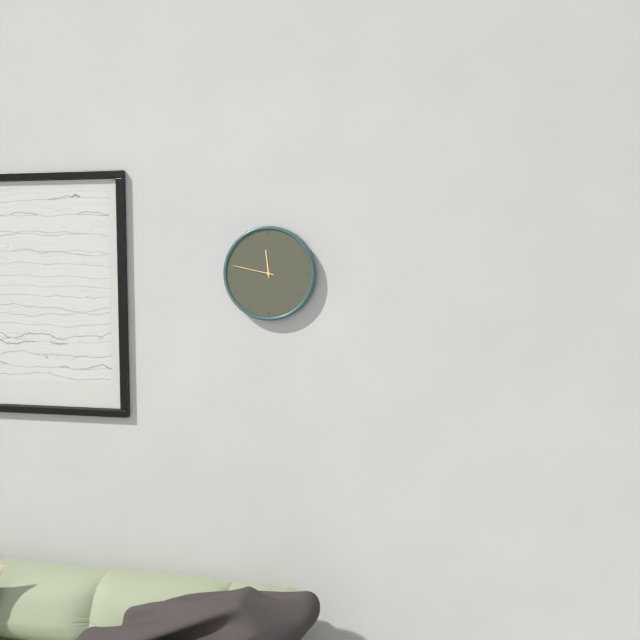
11:47
